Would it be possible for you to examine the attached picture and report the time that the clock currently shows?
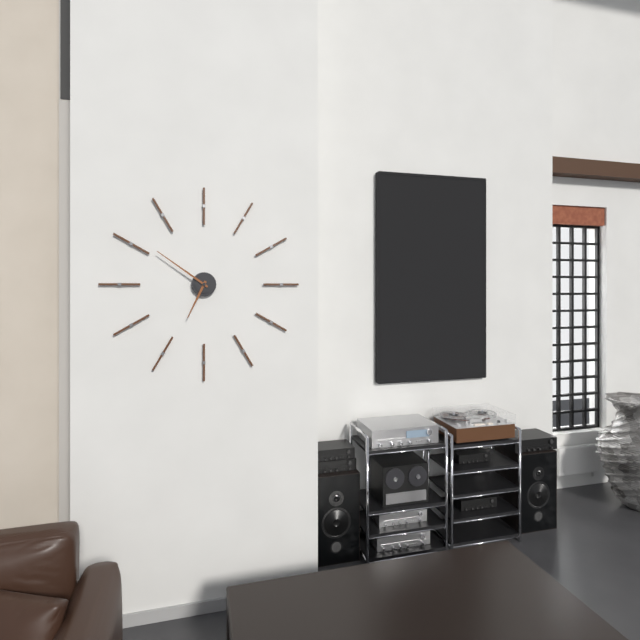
6:51
